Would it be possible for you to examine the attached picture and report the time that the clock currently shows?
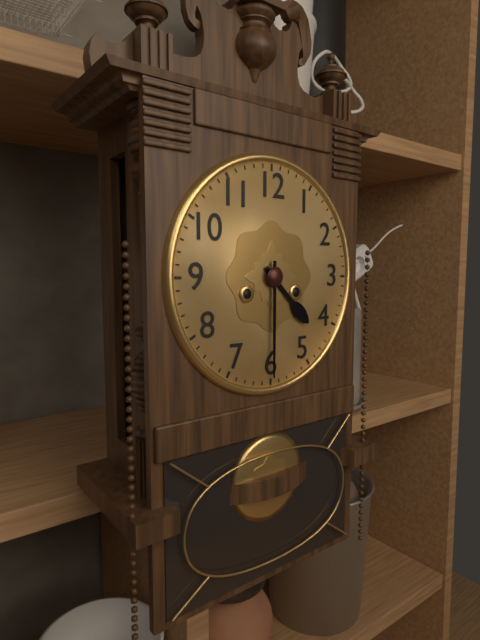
4:30
